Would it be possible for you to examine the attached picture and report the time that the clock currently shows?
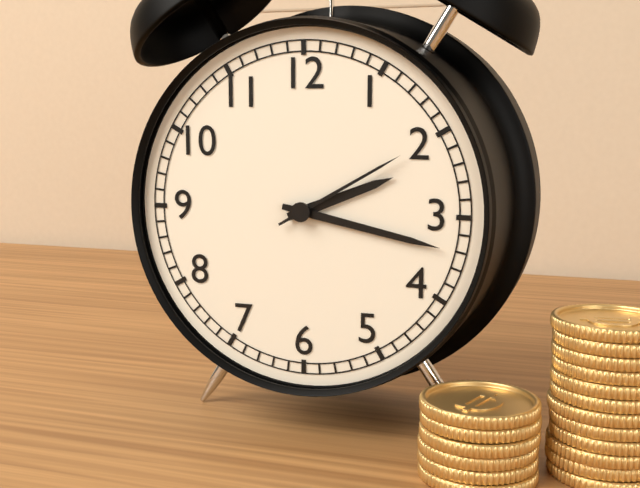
2:17:10
